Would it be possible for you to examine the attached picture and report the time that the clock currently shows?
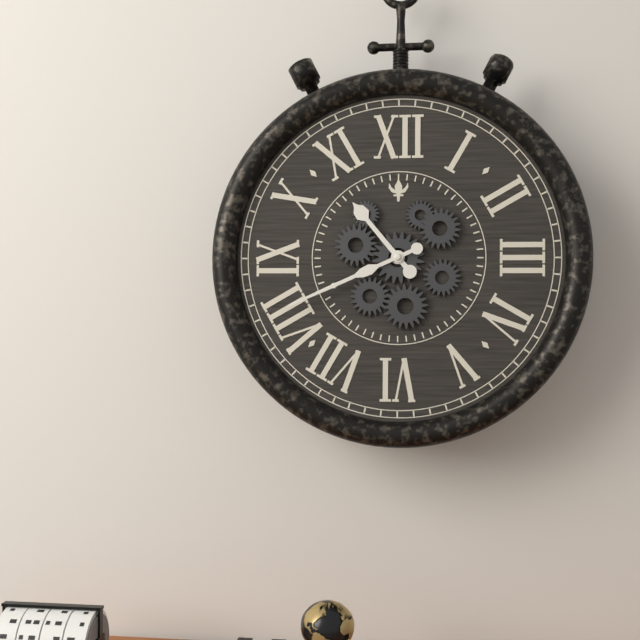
10:41
